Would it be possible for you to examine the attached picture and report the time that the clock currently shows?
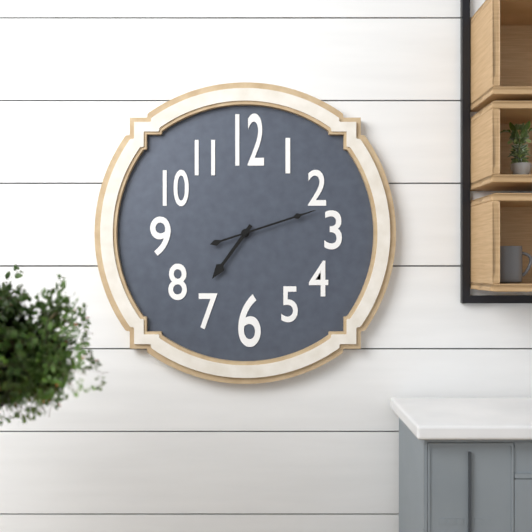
7:12
